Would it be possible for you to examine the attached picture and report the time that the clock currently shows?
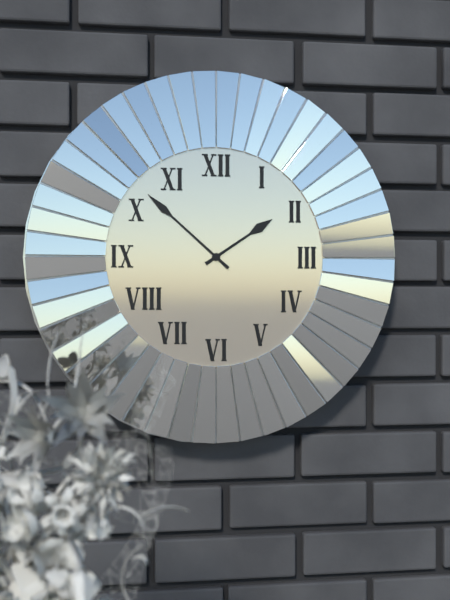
1:52
